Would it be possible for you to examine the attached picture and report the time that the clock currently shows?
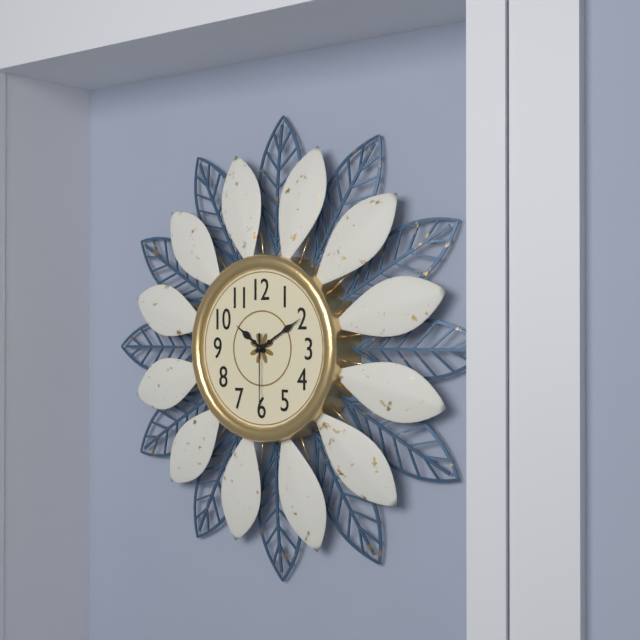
10:10:30
